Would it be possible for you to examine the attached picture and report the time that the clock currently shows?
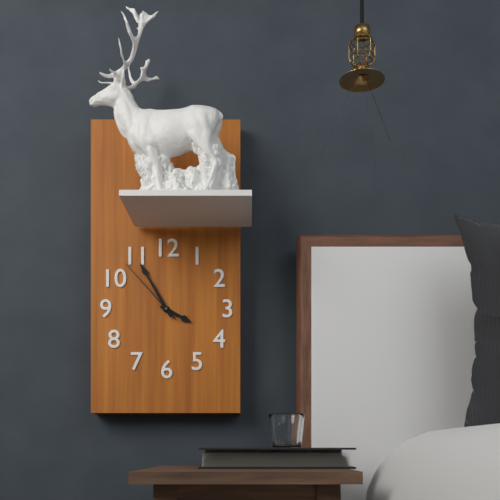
3:55:53
